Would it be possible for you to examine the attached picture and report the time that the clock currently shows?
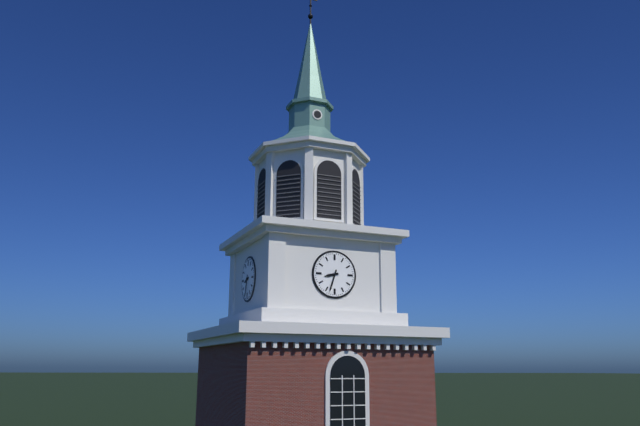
8:33
